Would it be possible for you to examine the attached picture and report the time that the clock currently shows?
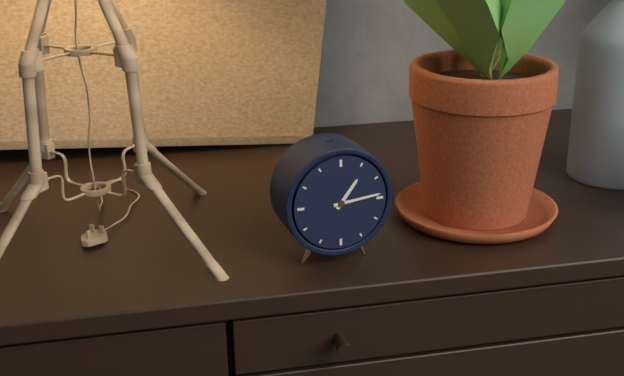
1:14
